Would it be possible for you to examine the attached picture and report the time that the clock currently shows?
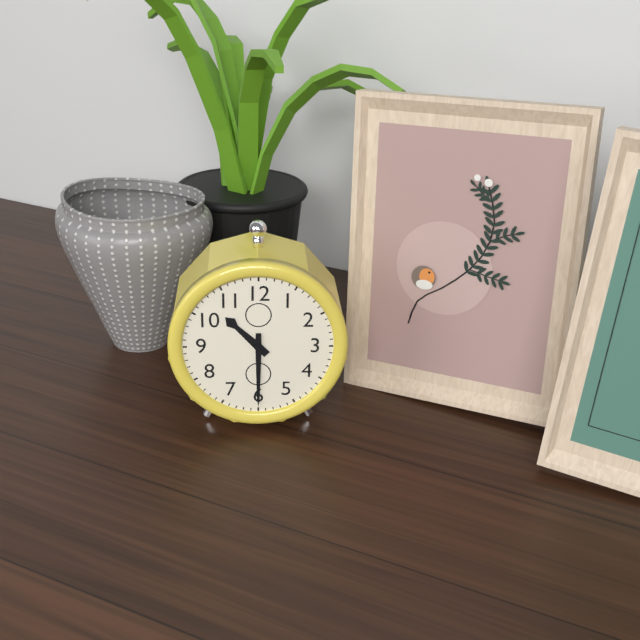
10:30
